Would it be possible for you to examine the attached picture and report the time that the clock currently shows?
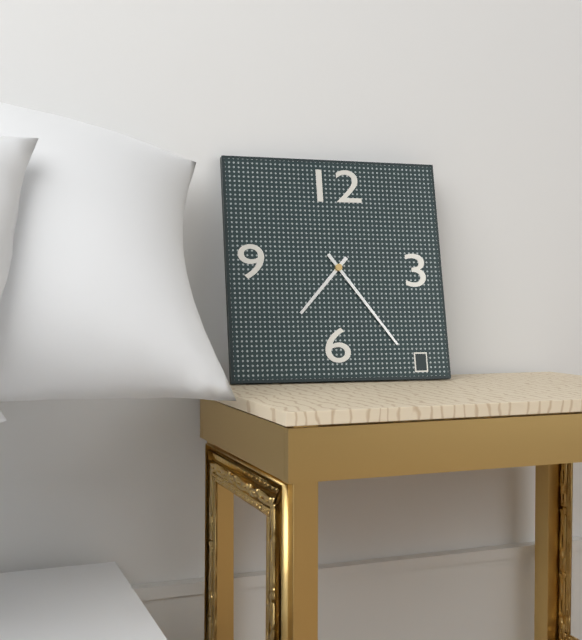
7:24
